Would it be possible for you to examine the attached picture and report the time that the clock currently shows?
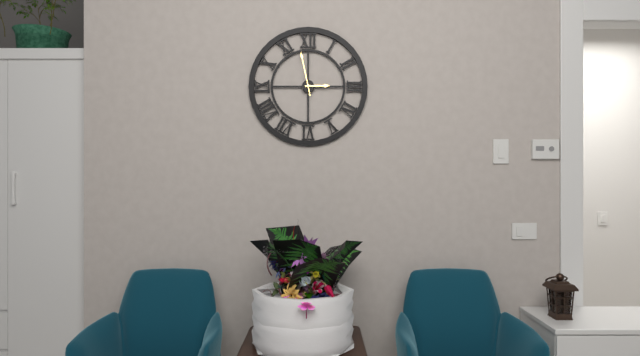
2:58
